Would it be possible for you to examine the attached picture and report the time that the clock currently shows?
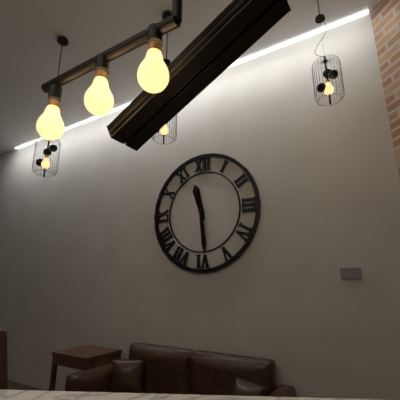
11:29
